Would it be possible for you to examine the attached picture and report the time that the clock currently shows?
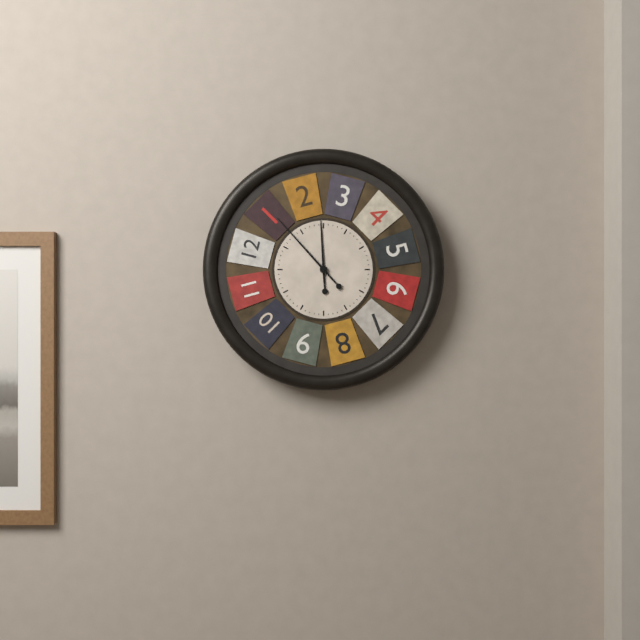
11:53
